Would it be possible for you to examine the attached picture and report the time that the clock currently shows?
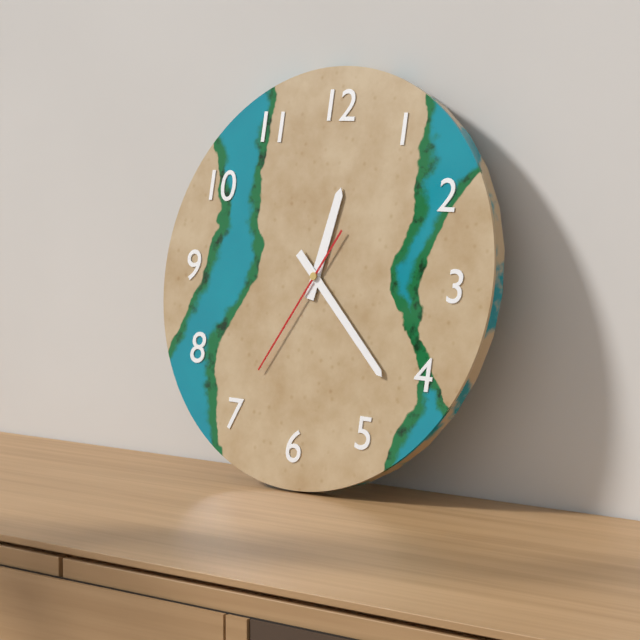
12:22:35
